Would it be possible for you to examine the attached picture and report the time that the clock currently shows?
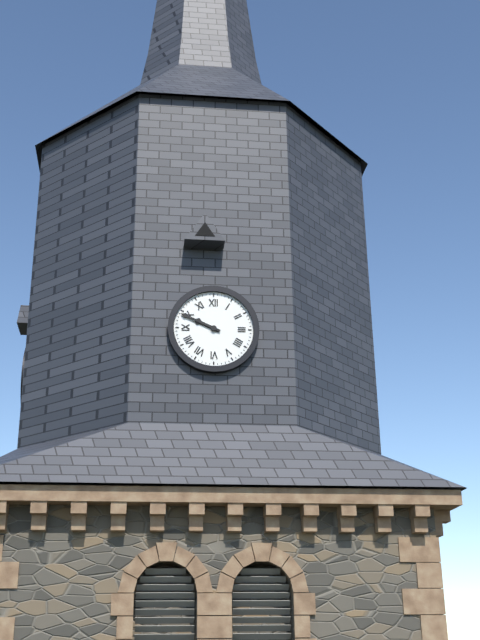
9:49
